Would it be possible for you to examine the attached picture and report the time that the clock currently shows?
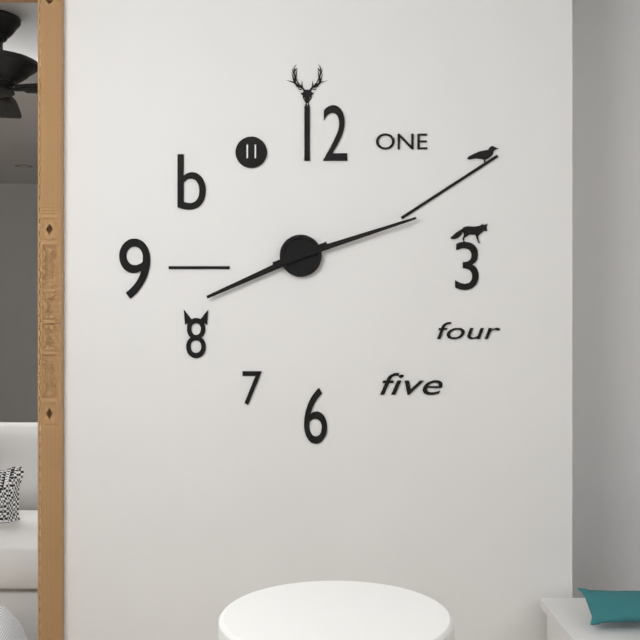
8:12
